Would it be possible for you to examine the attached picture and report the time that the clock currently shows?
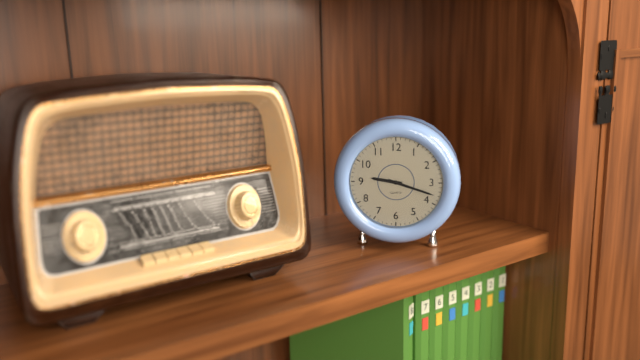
9:18
